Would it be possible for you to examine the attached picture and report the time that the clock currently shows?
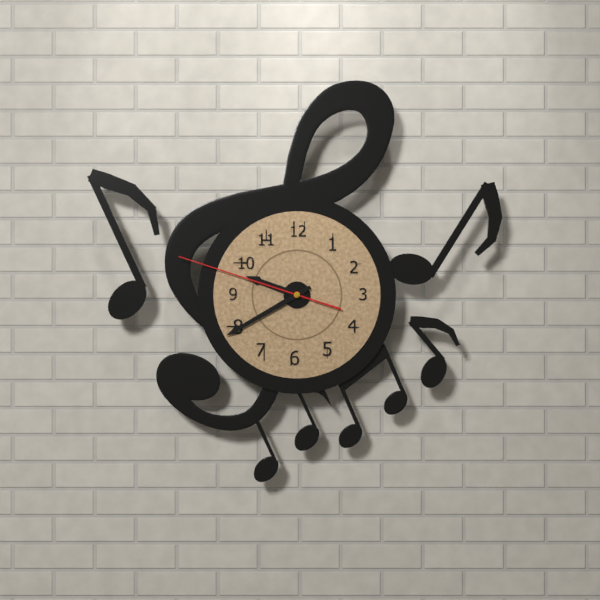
9:40:48
